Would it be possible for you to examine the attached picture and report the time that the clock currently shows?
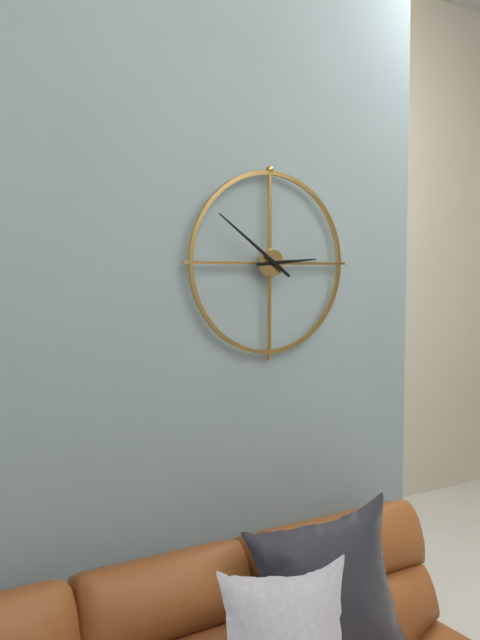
2:51
